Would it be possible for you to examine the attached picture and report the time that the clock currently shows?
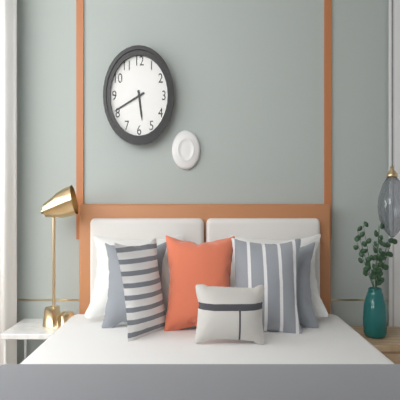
5:41
